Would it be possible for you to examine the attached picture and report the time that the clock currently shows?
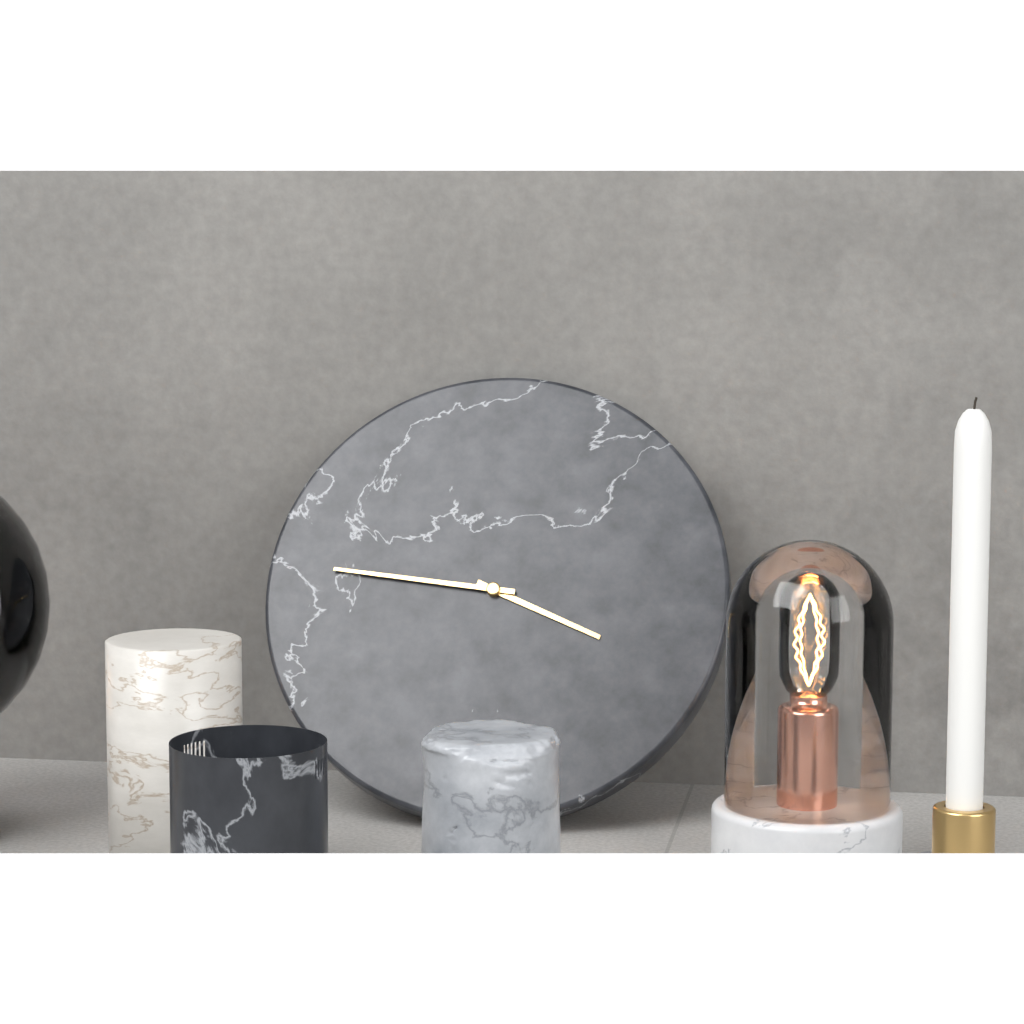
3:46
